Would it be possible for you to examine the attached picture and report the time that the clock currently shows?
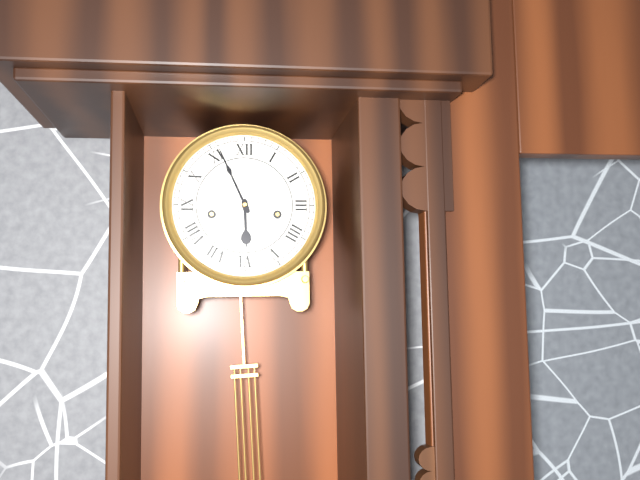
5:56
